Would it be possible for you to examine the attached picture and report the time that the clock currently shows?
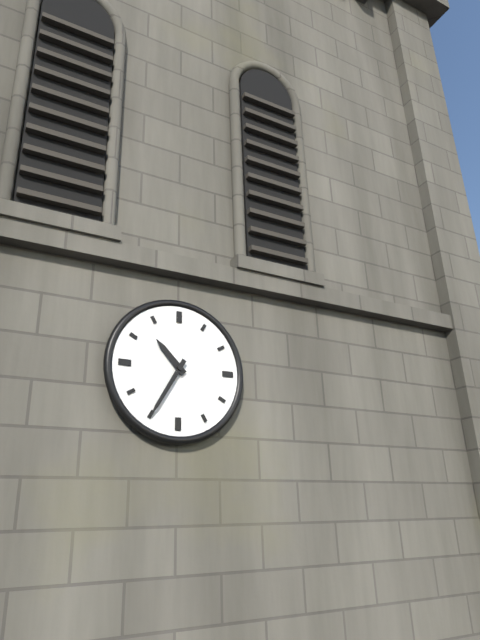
10:35
